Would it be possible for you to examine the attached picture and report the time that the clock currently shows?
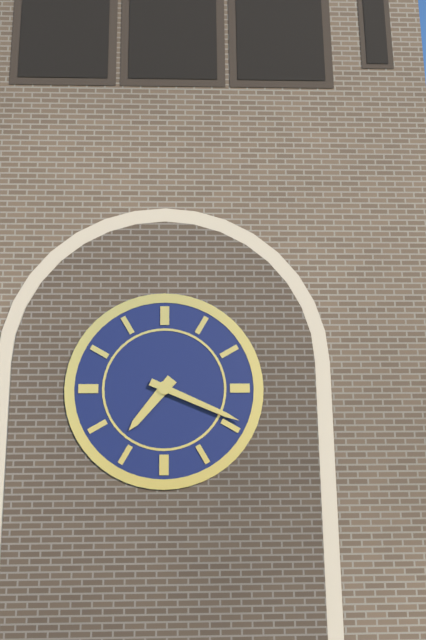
7:19
